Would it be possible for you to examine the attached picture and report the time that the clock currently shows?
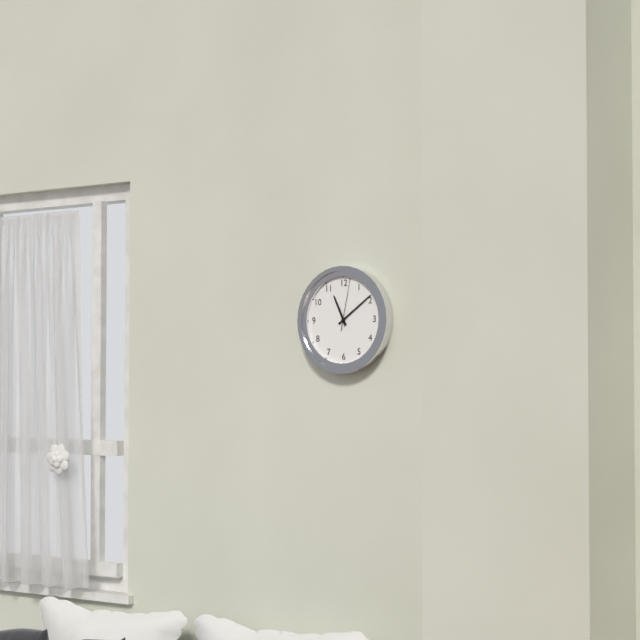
11:09:02
